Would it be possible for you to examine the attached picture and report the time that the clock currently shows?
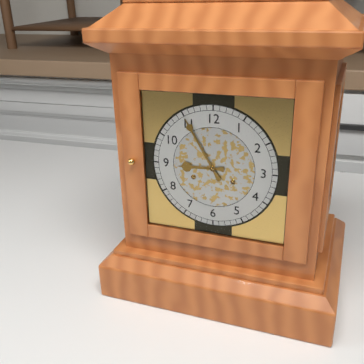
8:55
